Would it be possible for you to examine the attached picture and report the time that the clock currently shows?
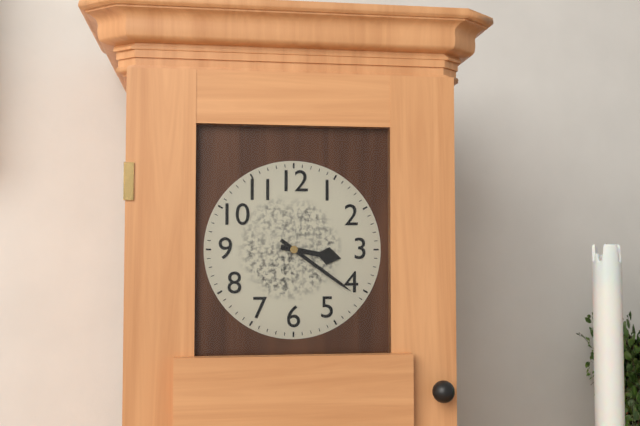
3:21
